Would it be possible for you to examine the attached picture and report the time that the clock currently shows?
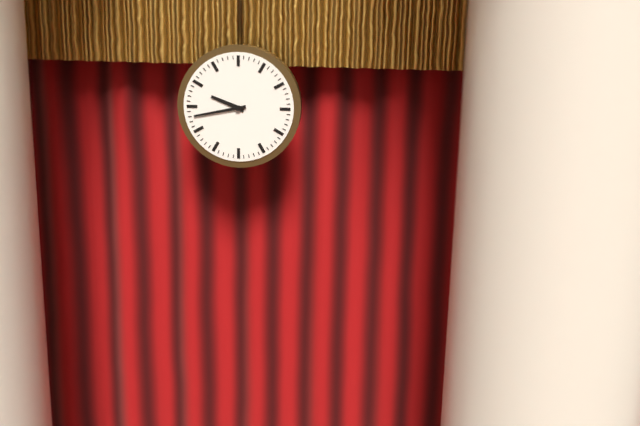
9:43
